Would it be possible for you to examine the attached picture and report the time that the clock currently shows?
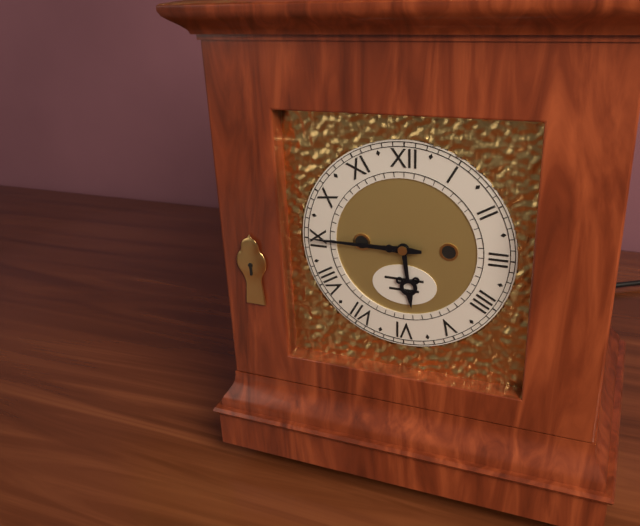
5:45
